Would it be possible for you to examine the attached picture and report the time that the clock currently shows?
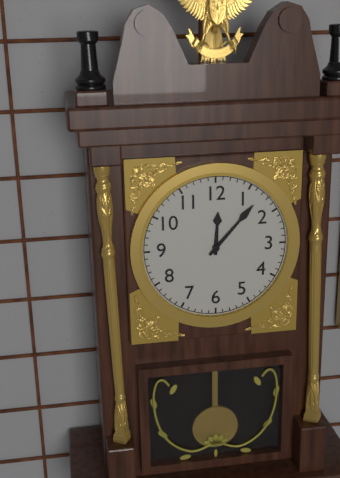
12:07
